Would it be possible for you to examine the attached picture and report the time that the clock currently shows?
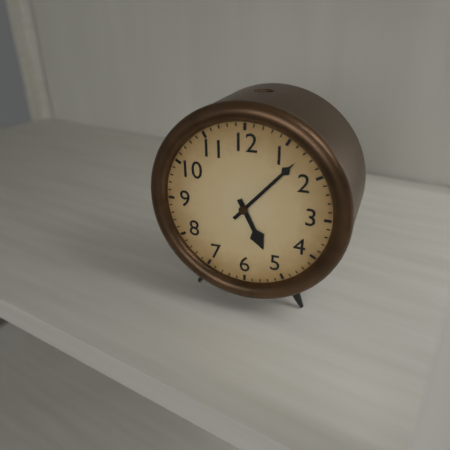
5:07
